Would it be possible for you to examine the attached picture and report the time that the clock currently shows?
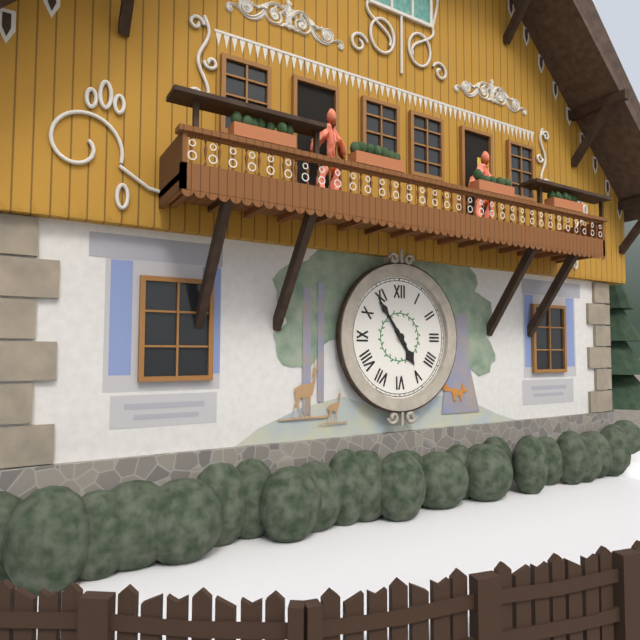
4:54
